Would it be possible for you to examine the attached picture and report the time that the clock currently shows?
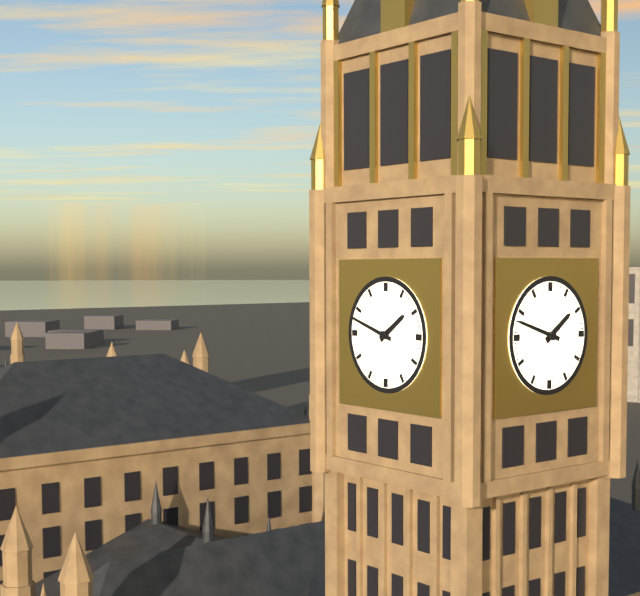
1:48
